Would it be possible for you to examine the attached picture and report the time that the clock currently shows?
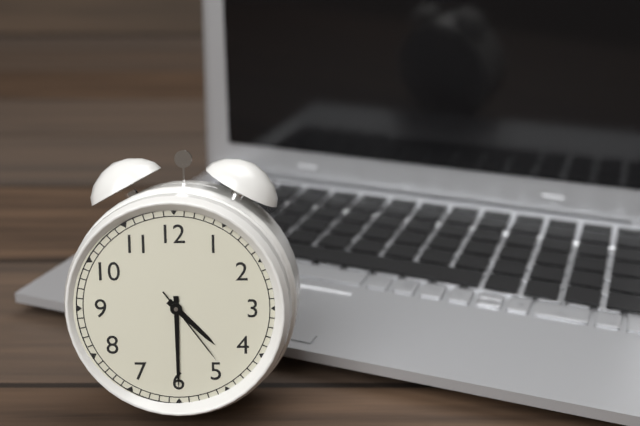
4:30:24
